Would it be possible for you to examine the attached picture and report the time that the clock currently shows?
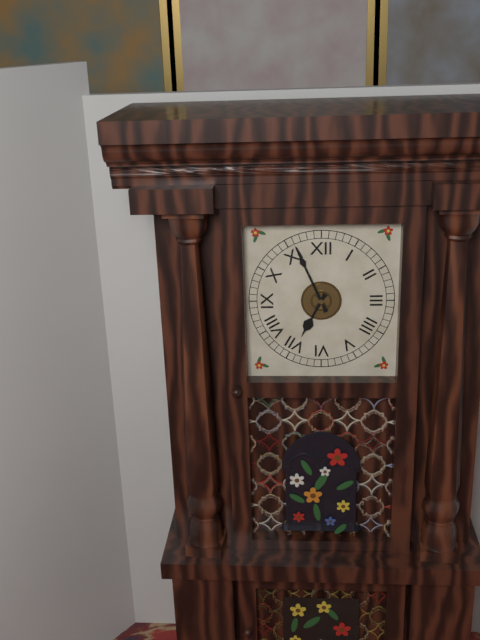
6:56
